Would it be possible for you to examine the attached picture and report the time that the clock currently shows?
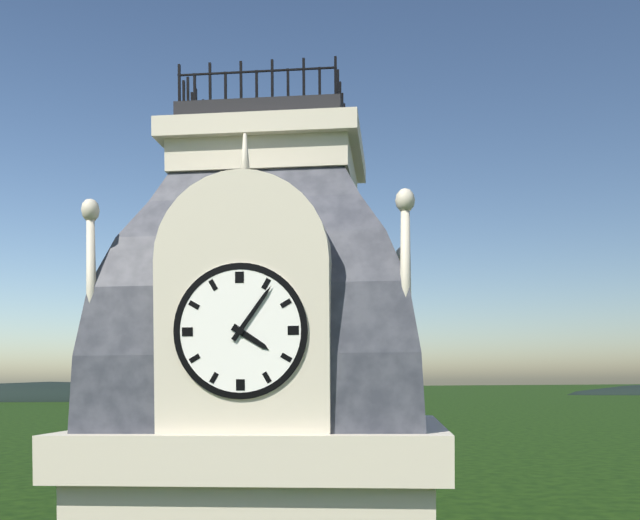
4:06
